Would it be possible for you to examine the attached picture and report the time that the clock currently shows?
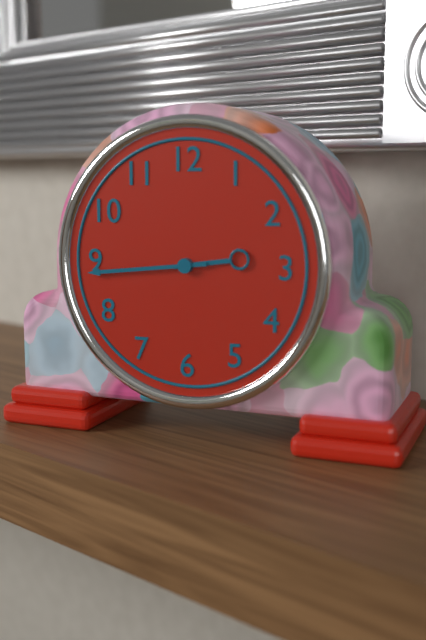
2:44
